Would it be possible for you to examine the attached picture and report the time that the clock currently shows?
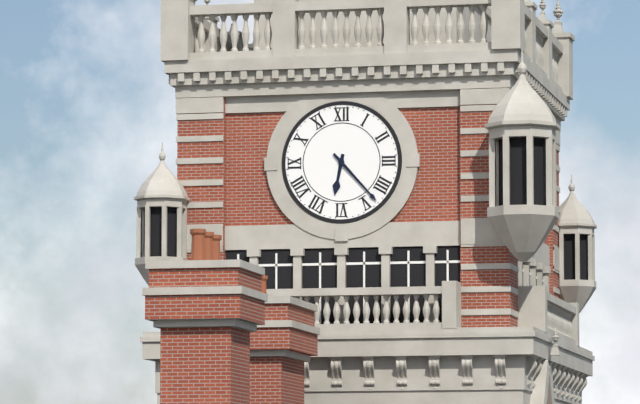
6:23
